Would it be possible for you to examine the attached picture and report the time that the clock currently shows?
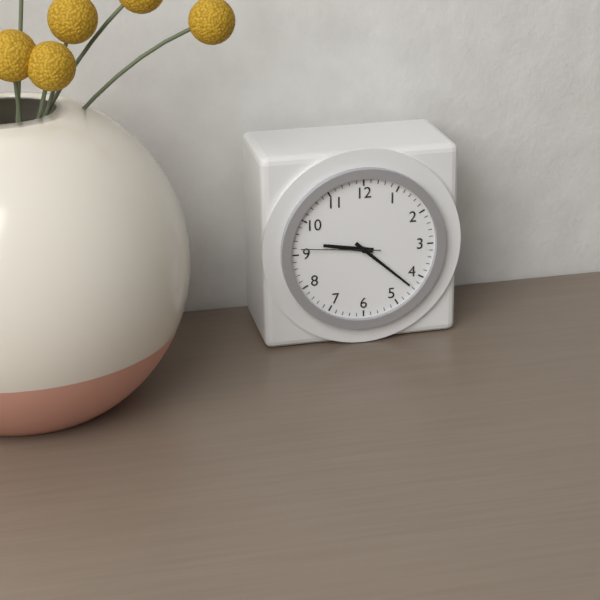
9:22:46
